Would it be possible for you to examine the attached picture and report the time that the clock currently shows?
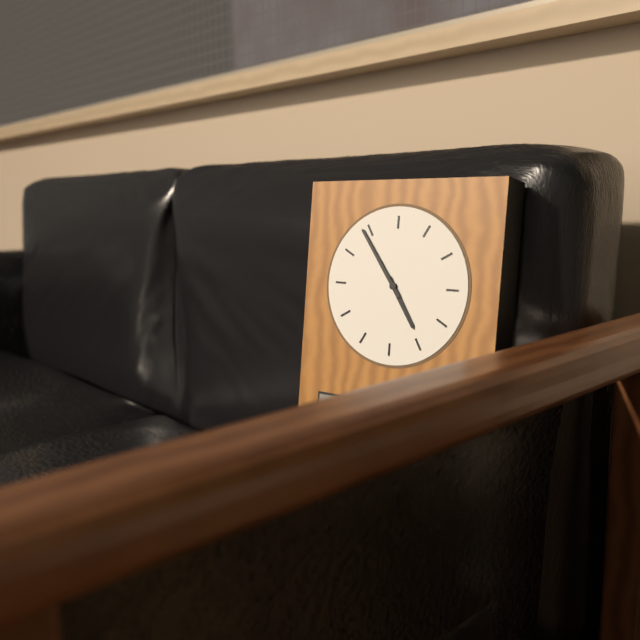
4:54
